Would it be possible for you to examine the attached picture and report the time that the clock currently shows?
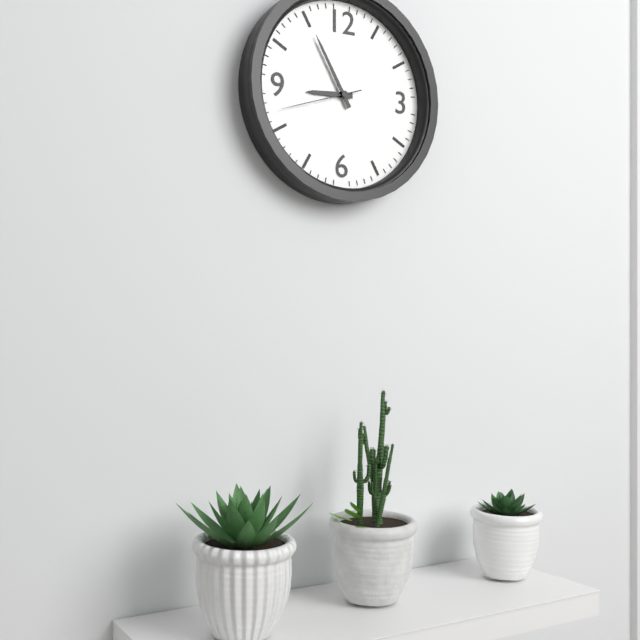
8:55:42
